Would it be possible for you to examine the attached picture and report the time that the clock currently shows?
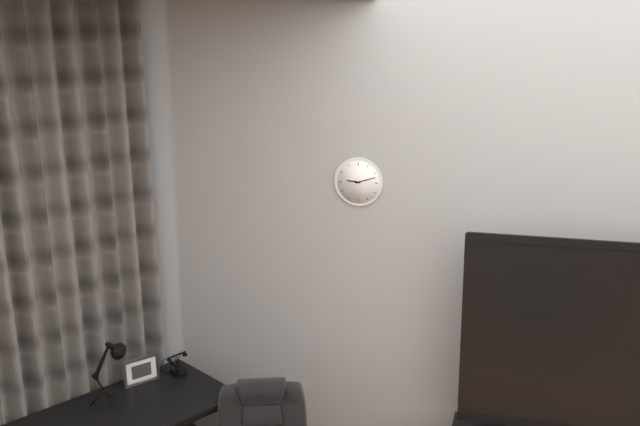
9:12
